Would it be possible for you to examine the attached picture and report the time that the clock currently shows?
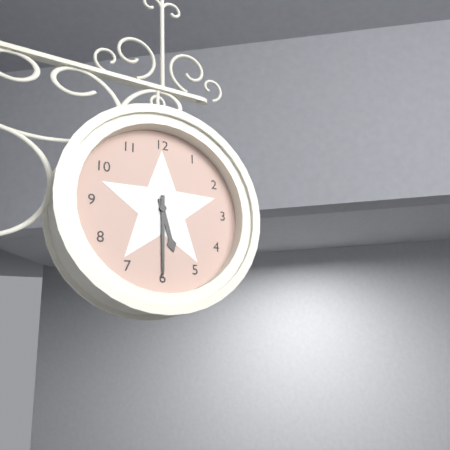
5:30
